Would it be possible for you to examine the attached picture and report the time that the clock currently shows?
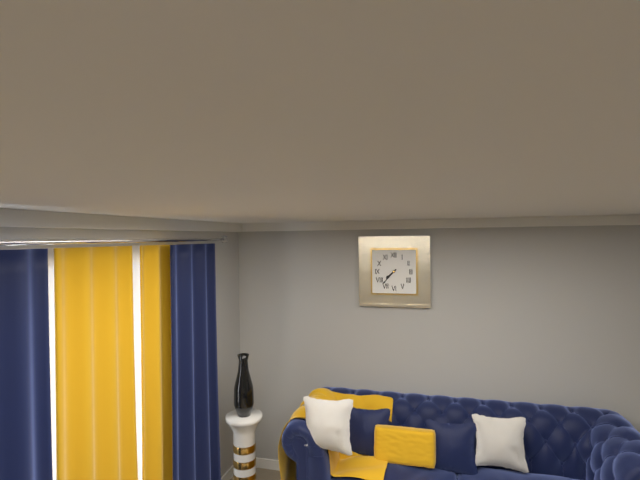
7:37
